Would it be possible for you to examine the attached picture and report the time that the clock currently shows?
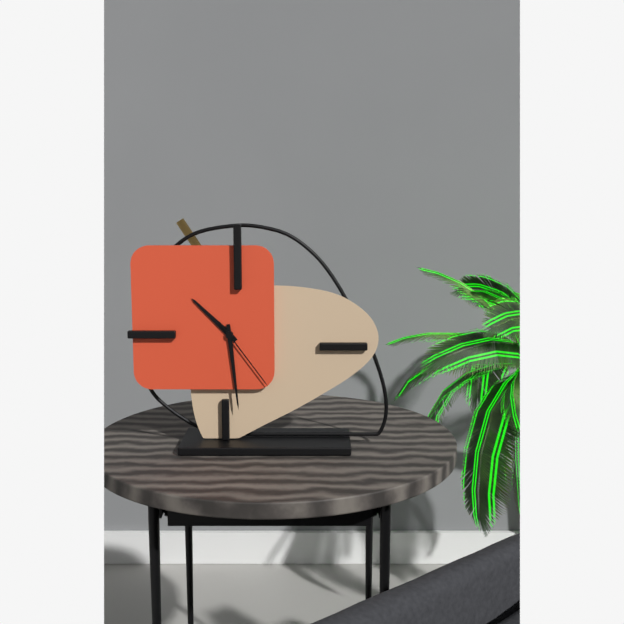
10:29:24
